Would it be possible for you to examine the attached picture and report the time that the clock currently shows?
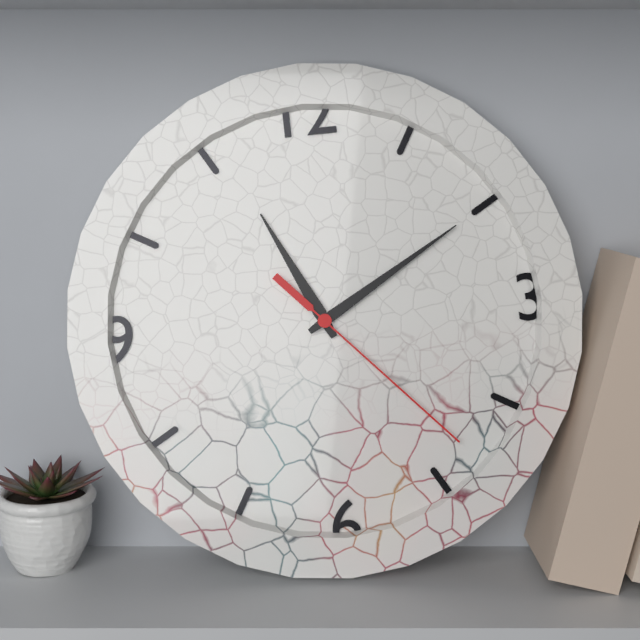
11:10:23
